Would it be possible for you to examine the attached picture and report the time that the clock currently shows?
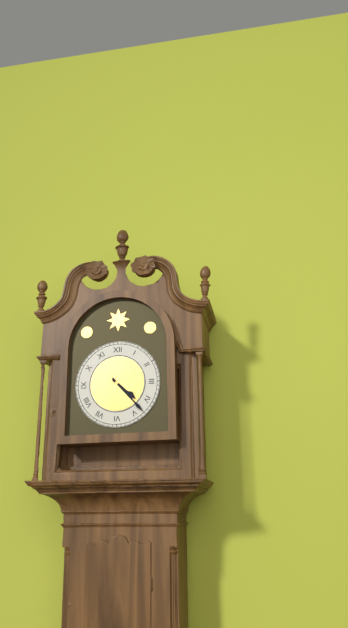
4:23
